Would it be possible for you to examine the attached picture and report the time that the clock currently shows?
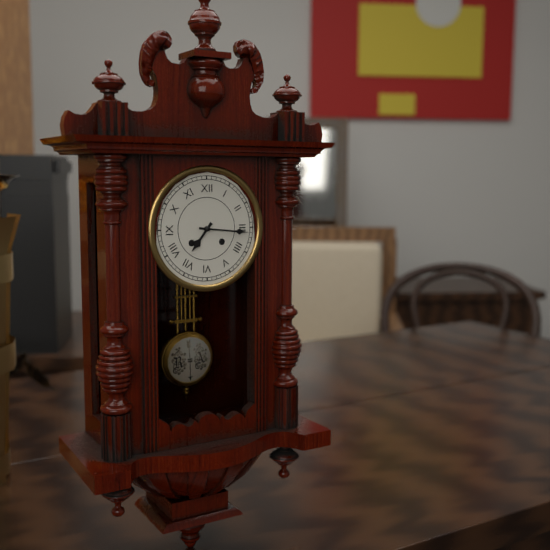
7:16
